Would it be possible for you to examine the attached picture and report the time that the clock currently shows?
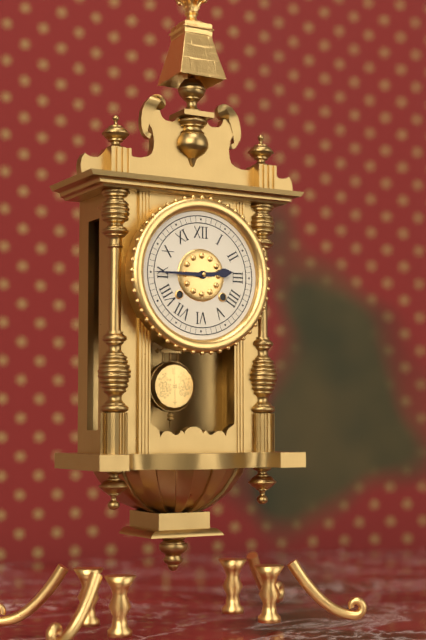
2:45
